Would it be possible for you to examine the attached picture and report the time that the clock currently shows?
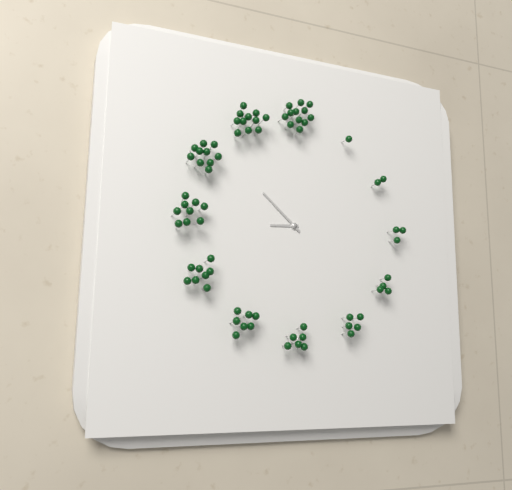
8:52
